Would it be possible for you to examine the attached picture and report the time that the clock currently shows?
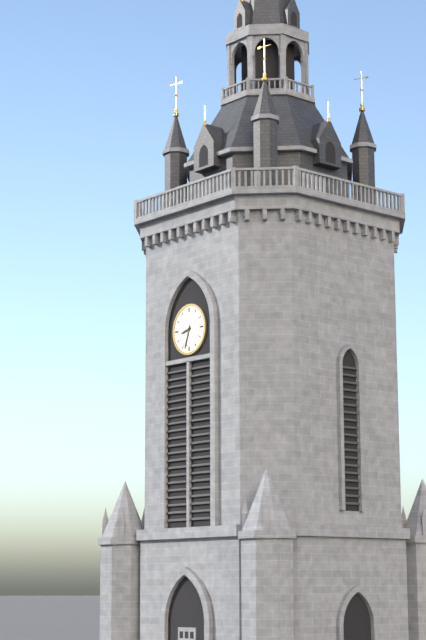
8:33
